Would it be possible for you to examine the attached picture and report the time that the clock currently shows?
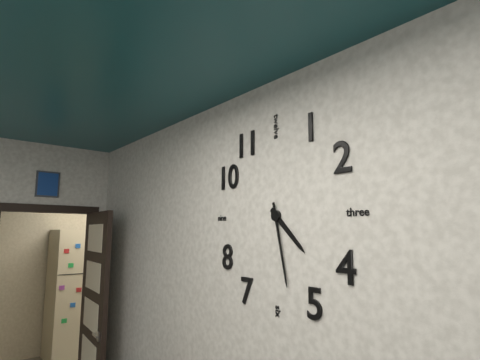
4:28
